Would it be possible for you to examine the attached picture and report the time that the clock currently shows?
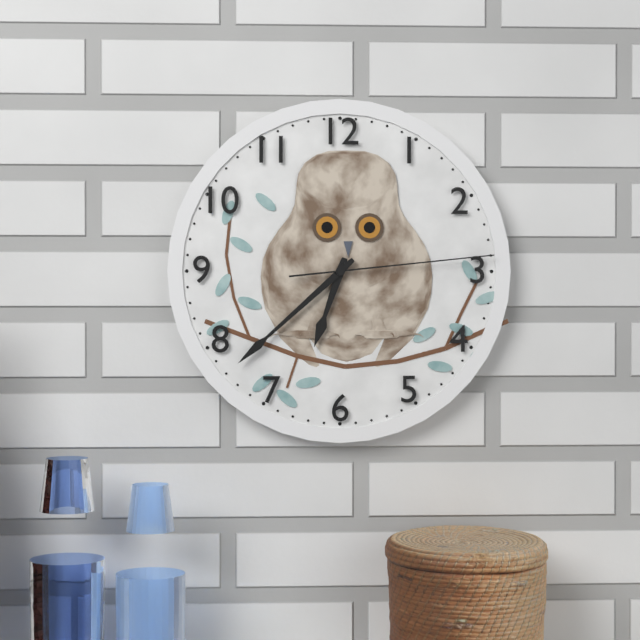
6:38:14
